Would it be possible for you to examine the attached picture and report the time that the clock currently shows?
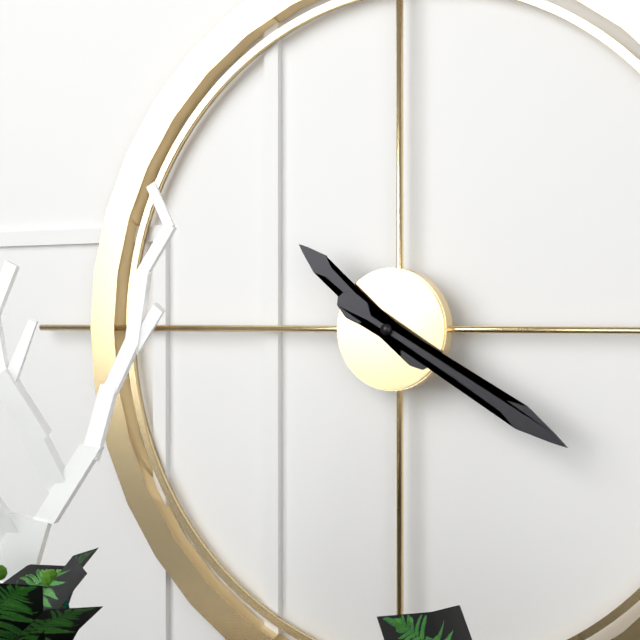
10:20
